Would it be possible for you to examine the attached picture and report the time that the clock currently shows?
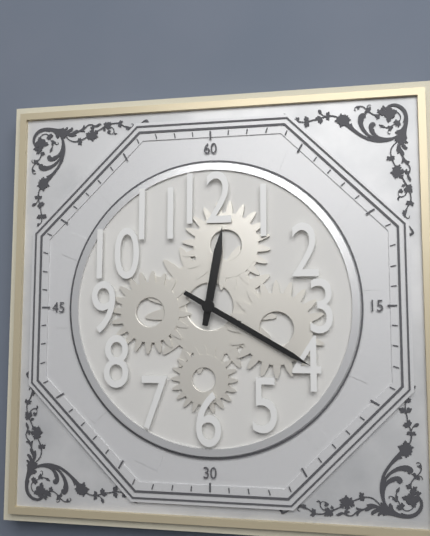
12:20
